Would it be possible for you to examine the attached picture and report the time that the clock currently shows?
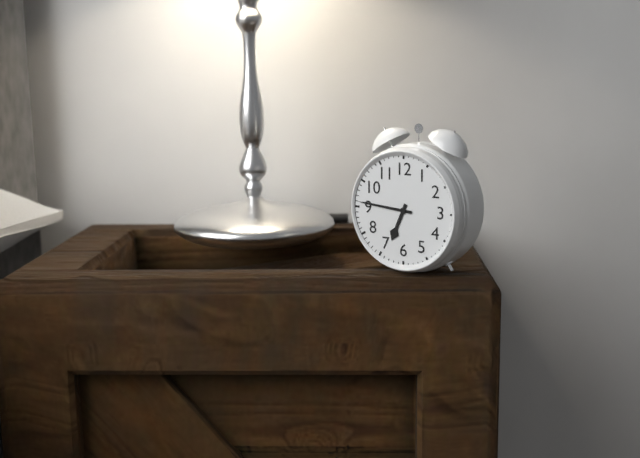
6:46
